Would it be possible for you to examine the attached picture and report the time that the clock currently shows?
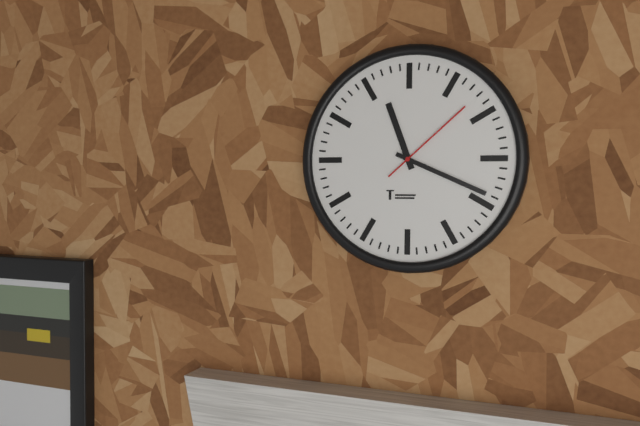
11:19:08
